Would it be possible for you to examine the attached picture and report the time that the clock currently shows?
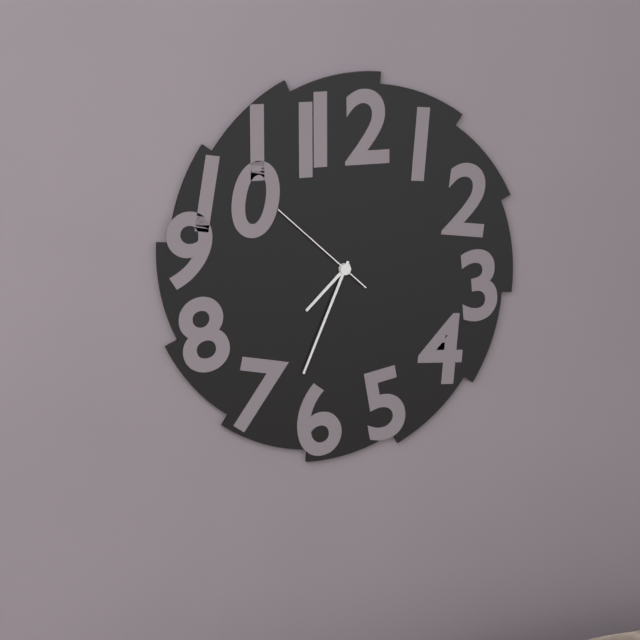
7:34:52
